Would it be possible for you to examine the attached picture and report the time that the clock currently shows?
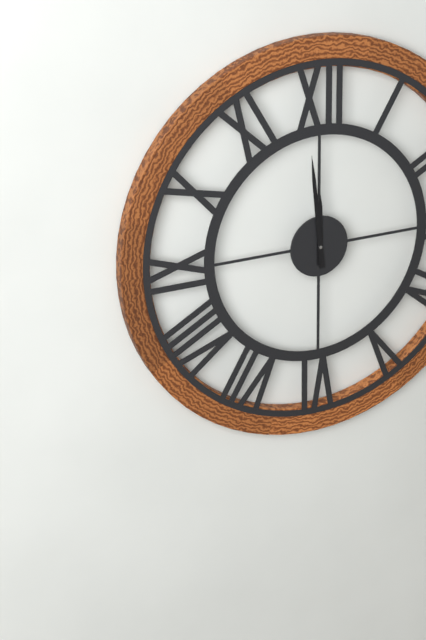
11:59
